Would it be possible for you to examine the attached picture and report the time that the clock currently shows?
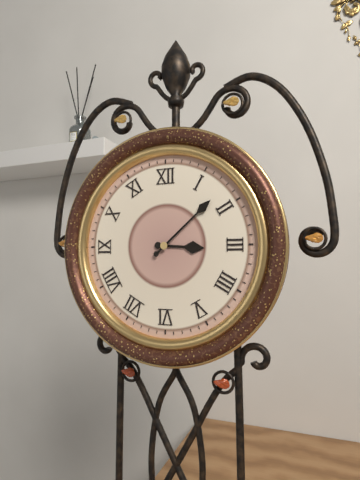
3:08
